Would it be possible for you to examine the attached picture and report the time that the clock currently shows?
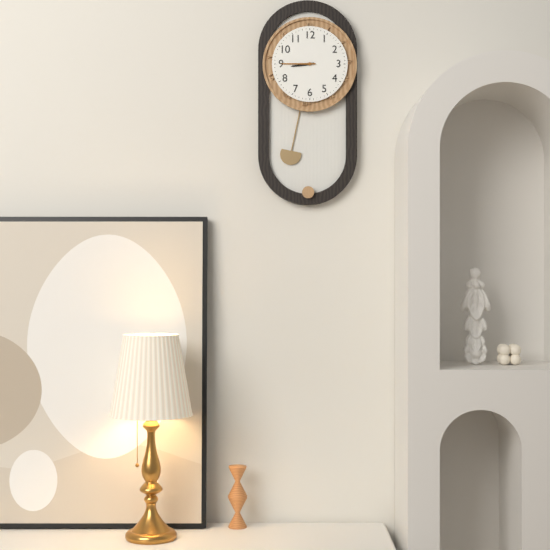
8:45
